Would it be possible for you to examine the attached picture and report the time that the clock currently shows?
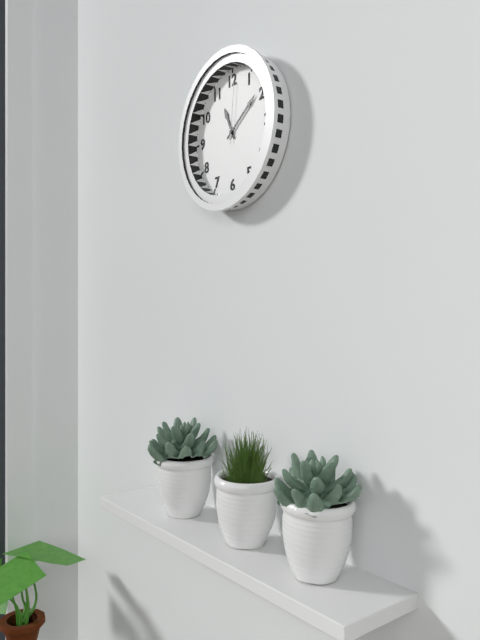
11:09:01
